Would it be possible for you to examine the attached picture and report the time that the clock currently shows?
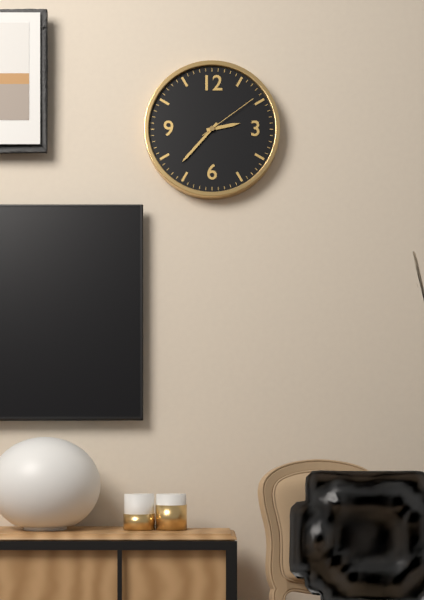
2:37:09
